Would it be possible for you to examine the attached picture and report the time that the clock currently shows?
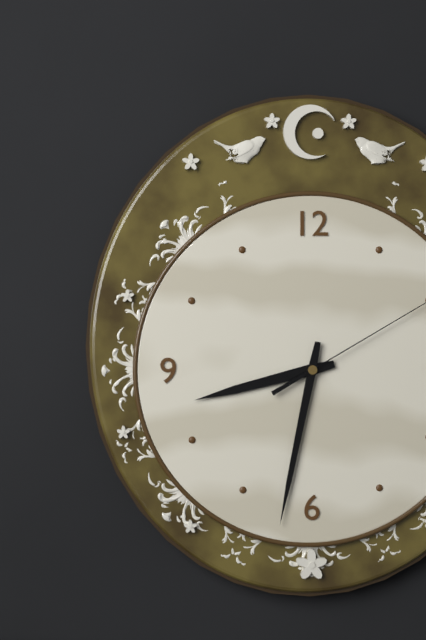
8:32
